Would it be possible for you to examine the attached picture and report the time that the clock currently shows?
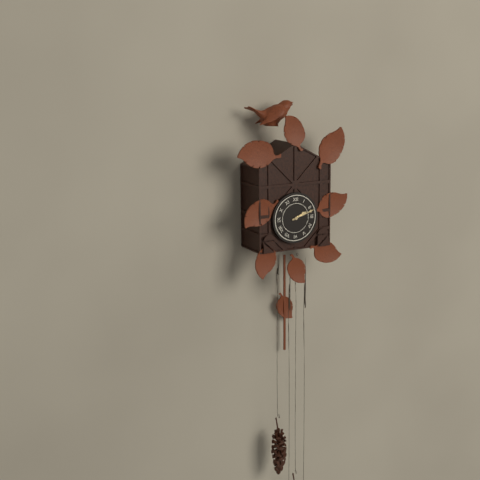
2:12
